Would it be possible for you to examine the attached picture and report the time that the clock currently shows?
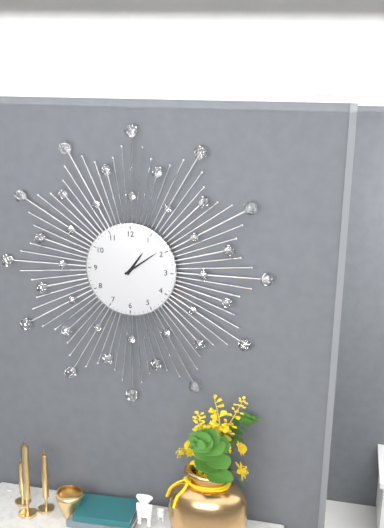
1:09
